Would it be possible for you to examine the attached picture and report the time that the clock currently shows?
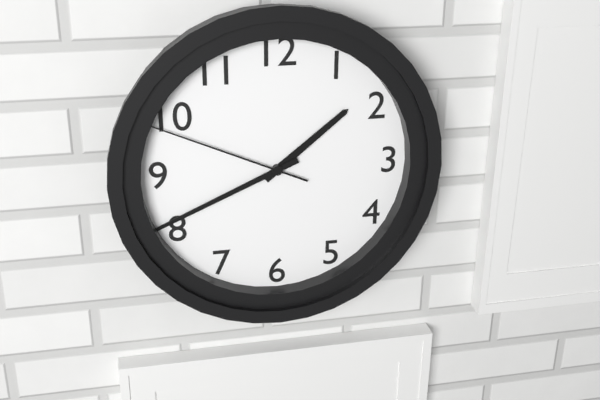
1:41:49
